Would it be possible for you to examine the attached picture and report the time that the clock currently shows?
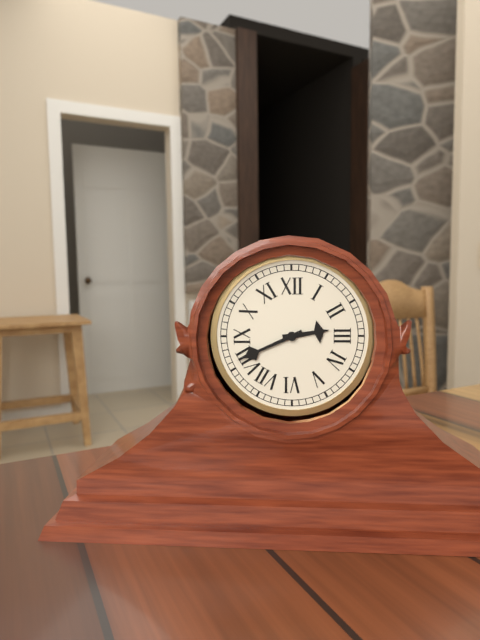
2:41
